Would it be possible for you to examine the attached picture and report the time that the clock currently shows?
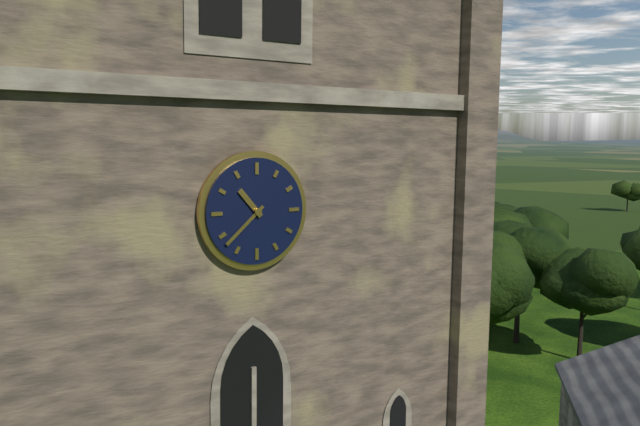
10:38
